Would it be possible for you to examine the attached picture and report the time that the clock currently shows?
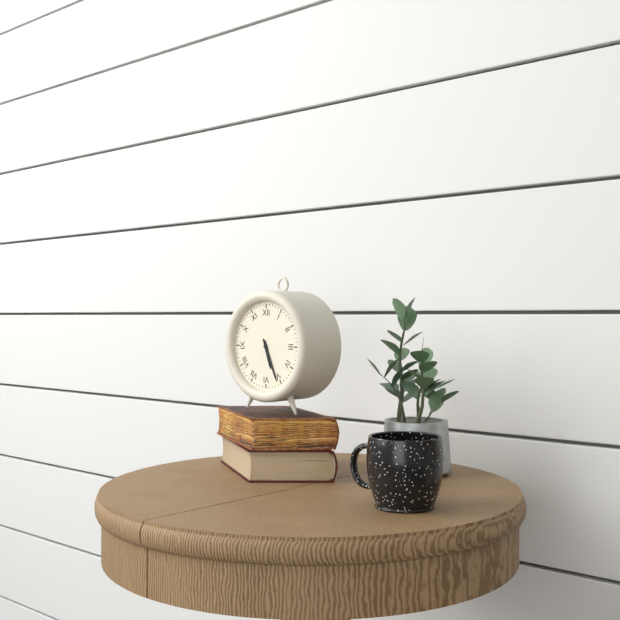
5:26
